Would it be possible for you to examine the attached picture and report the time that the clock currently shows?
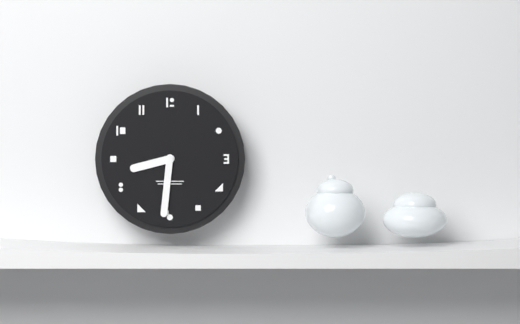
8:31
